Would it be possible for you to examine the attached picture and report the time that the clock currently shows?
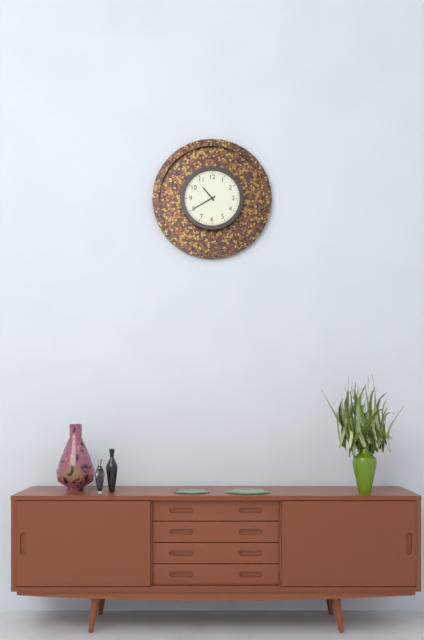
10:40
